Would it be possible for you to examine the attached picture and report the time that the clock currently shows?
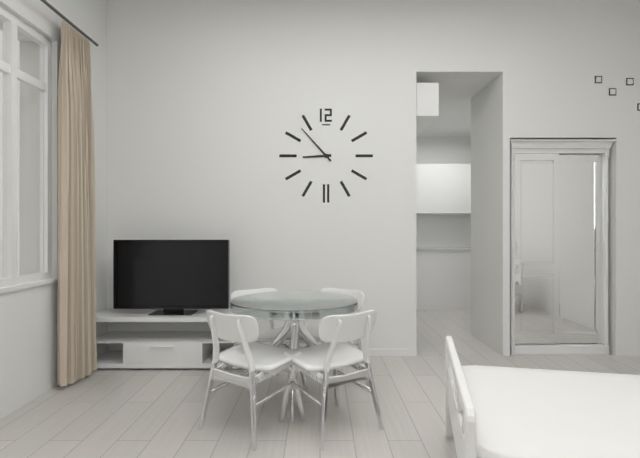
8:53
